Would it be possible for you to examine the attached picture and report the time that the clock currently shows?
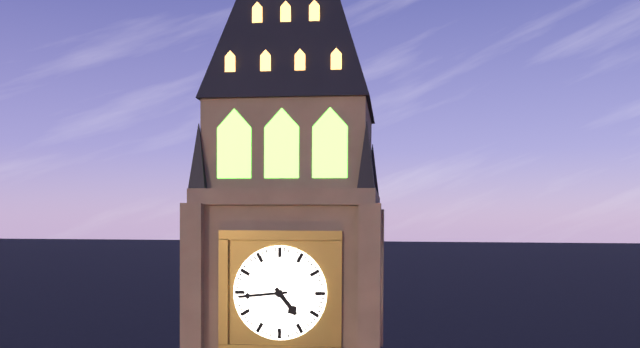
4:44
